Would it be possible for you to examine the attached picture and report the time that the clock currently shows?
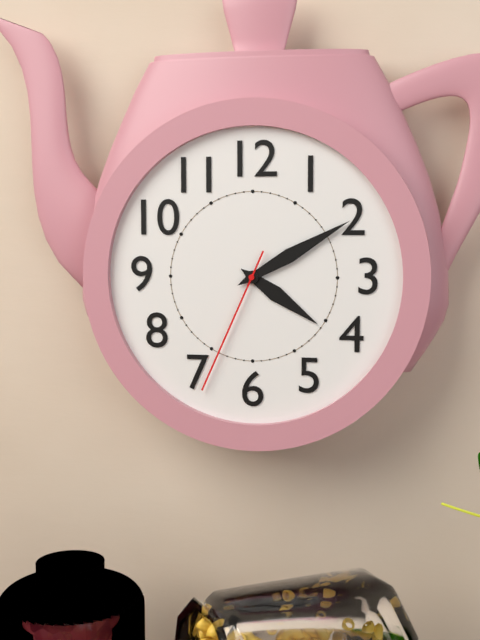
4:10:34
